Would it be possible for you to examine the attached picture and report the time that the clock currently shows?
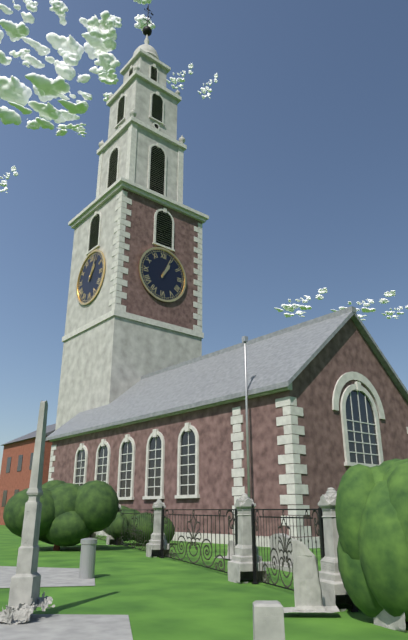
1:04
